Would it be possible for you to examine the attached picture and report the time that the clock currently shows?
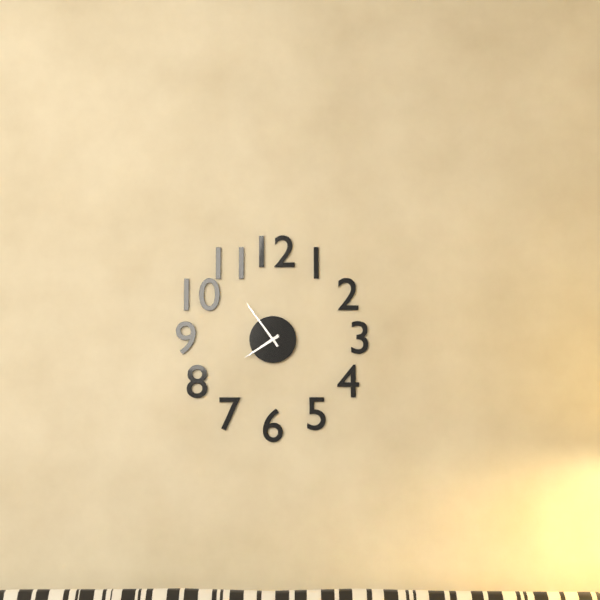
7:54
